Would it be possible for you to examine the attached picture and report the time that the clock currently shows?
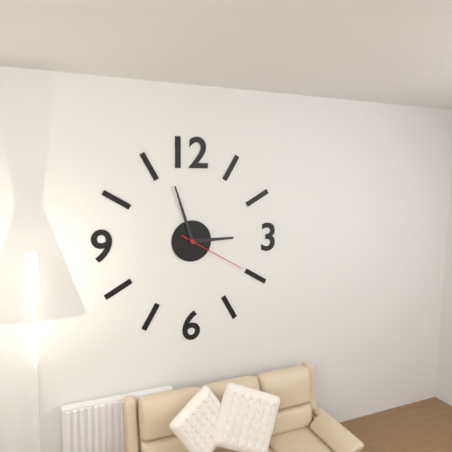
2:57:20
